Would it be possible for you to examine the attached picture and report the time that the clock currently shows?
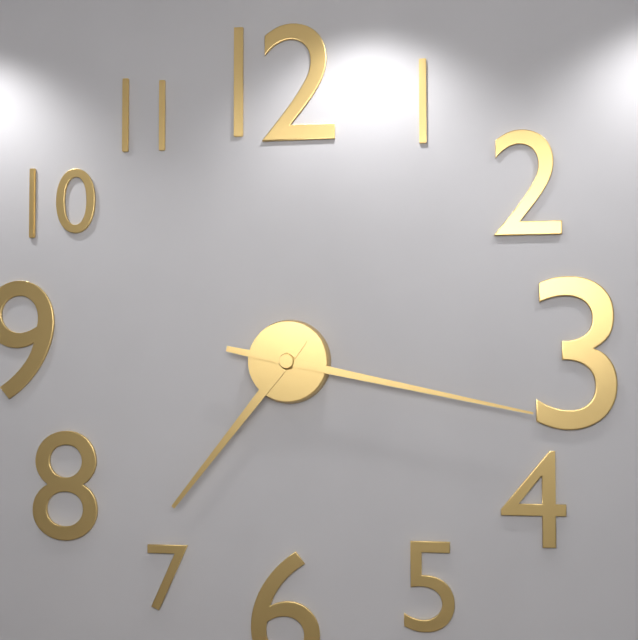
7:17
